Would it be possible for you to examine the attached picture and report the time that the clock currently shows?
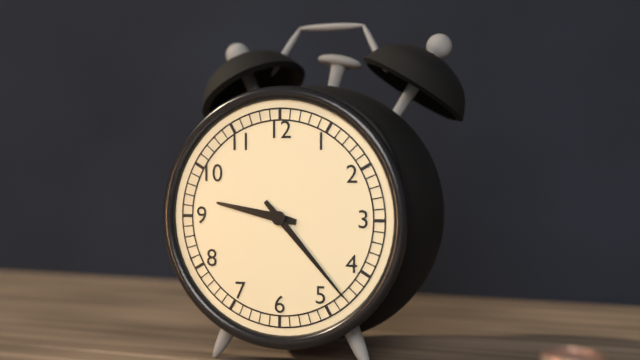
9:23
